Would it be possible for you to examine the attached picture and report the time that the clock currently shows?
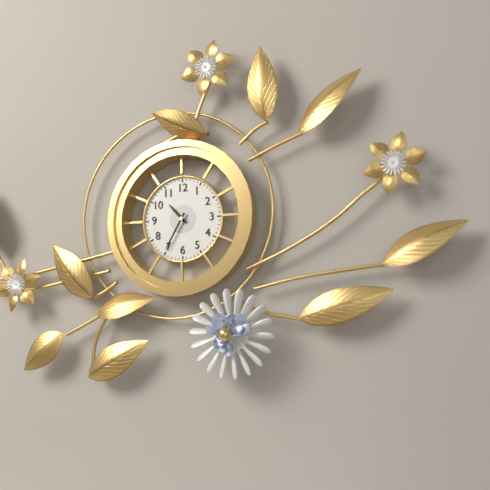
10:35
